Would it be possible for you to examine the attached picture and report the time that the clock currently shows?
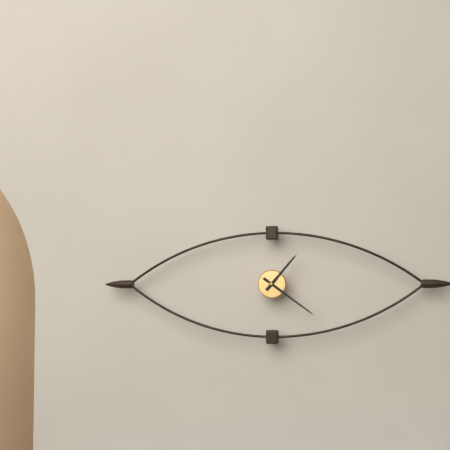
1:21
